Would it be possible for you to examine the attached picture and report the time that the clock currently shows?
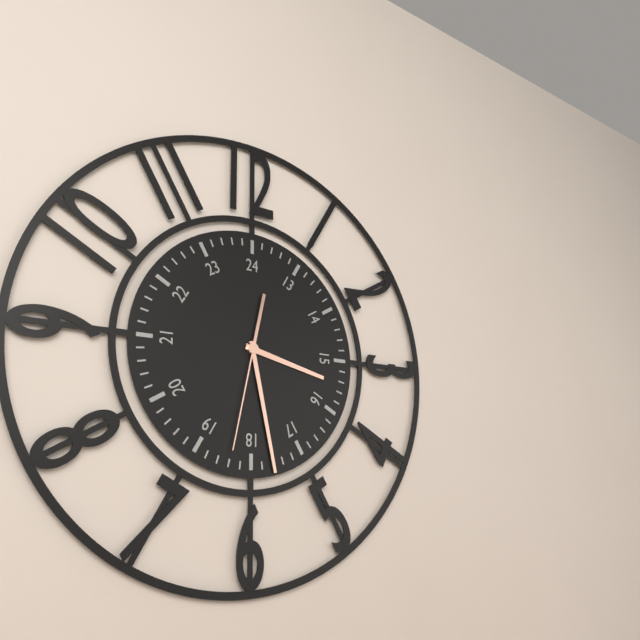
3:28:32
